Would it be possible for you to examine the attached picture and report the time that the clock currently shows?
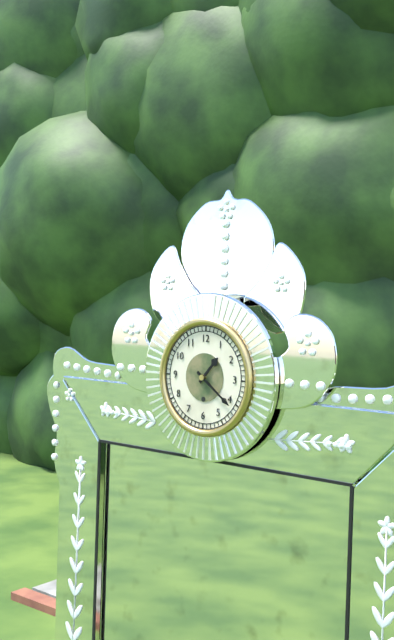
1:21
